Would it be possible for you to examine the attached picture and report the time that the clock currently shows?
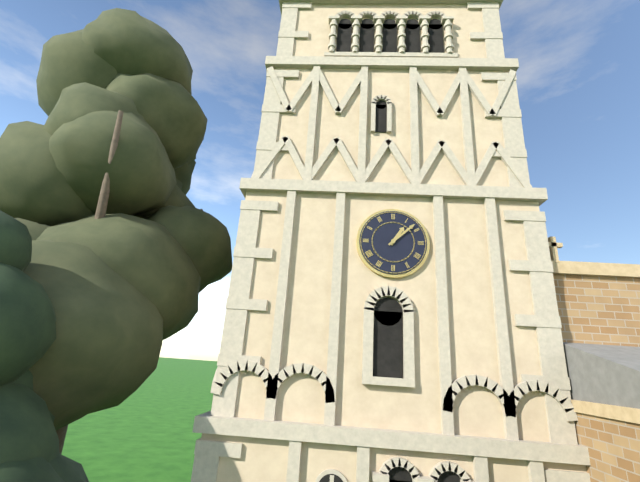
1:08
